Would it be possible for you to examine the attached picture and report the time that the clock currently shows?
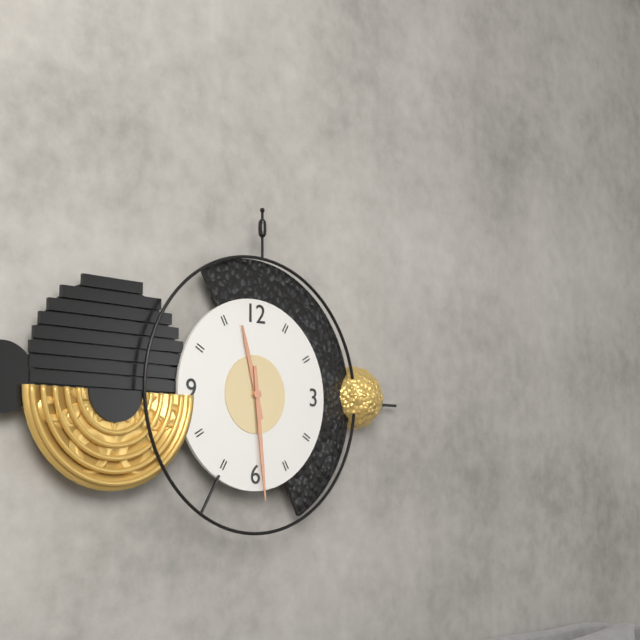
11:29
